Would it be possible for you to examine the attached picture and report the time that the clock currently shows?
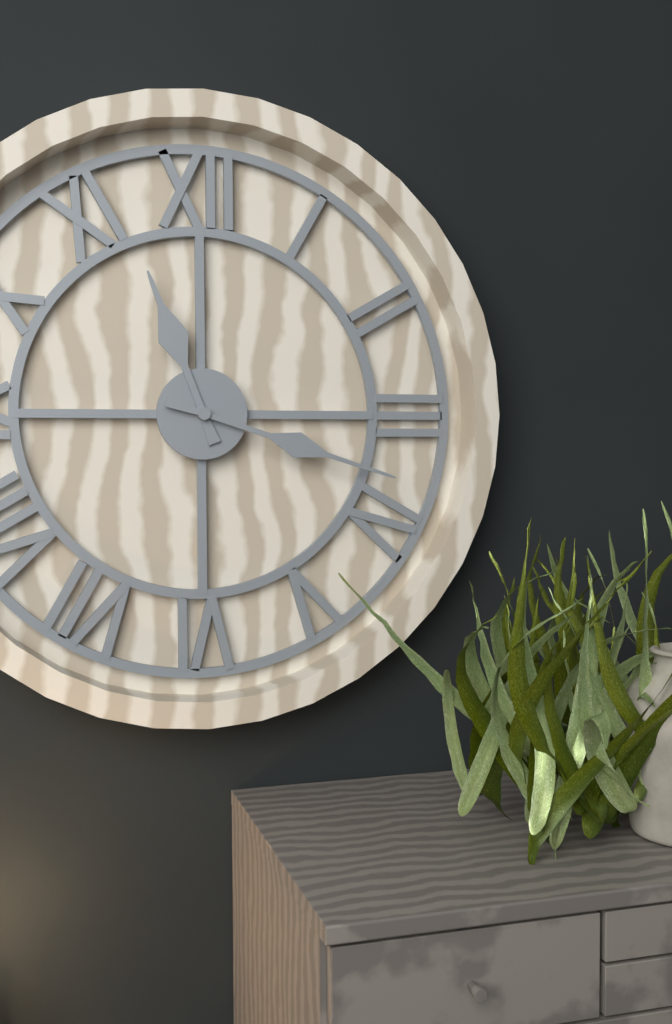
11:18
